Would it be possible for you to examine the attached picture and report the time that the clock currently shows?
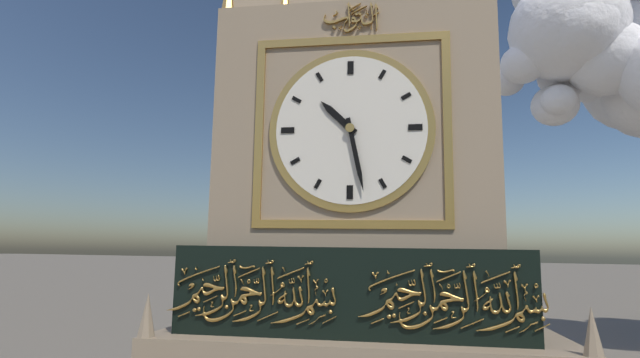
10:28
